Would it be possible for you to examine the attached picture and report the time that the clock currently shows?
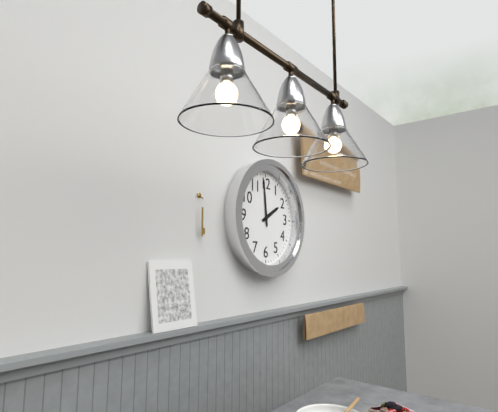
1:59
